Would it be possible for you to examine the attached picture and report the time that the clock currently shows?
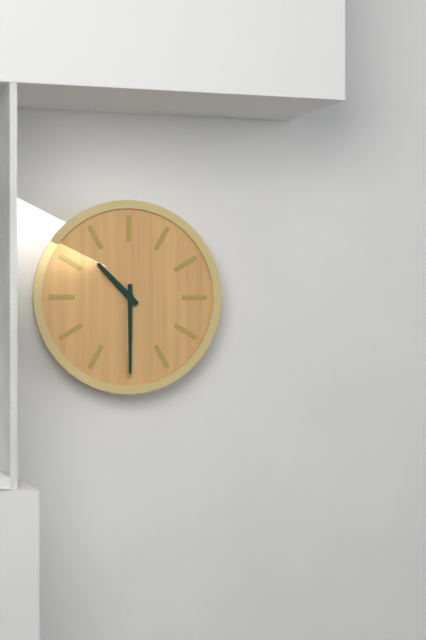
10:30
